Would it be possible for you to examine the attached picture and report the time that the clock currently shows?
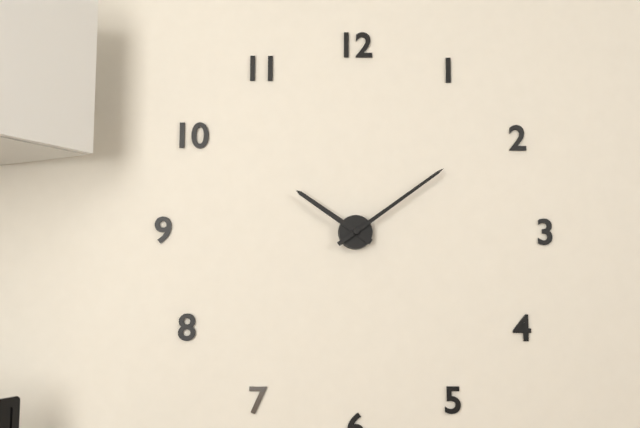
10:09
